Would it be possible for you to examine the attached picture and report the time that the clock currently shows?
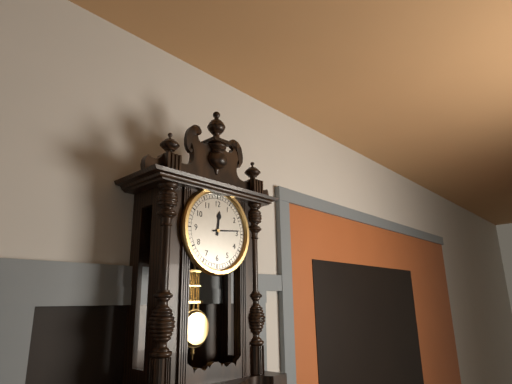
12:14
